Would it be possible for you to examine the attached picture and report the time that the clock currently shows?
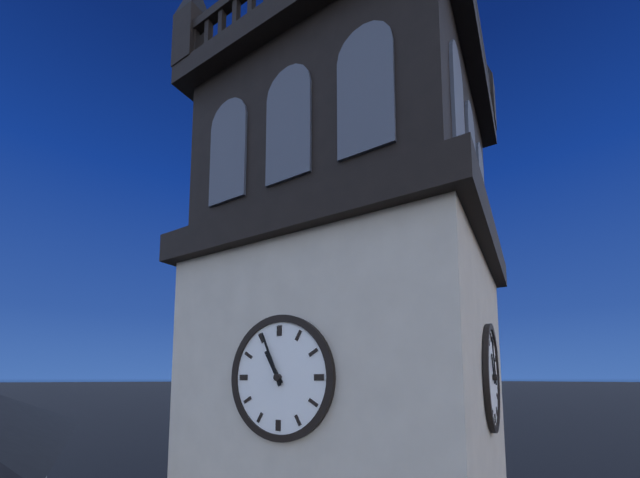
10:56
